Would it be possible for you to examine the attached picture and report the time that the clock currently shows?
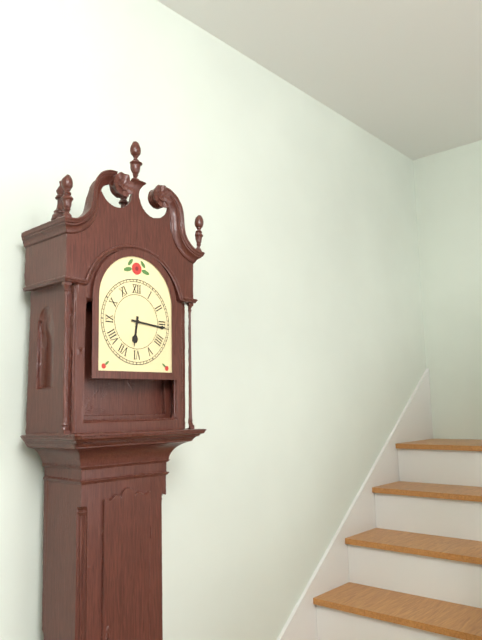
6:16
